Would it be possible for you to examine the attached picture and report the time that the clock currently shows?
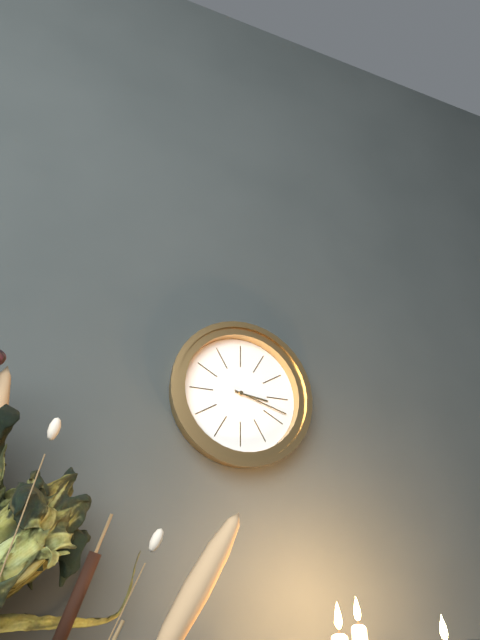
3:18
